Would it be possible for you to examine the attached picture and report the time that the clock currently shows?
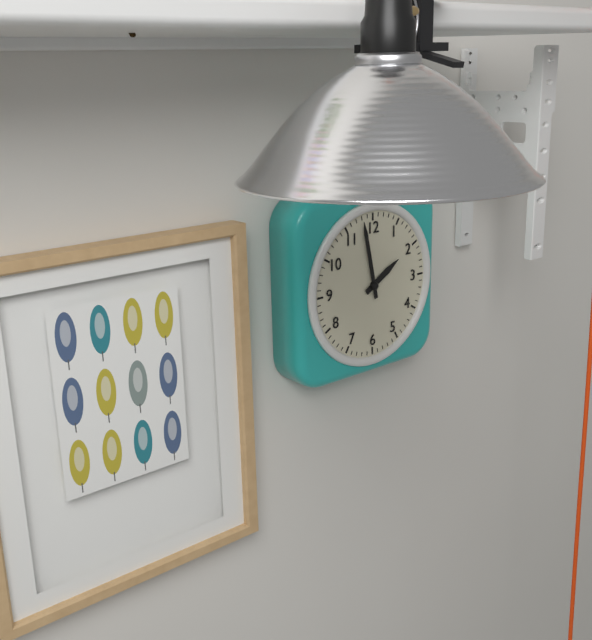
1:58
